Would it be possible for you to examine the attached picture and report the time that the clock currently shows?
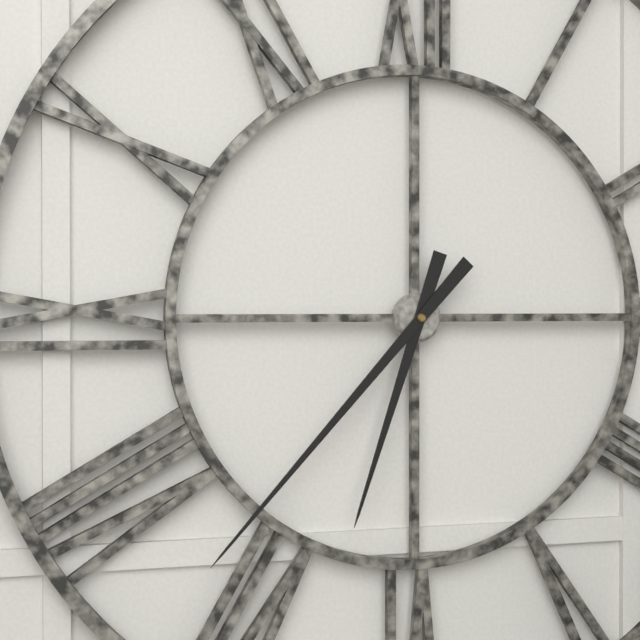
6:37
